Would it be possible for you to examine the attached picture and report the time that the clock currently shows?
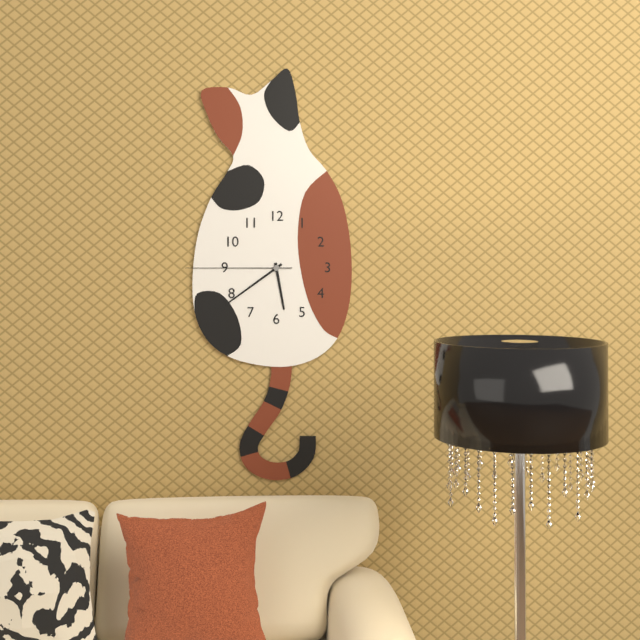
5:39:45
